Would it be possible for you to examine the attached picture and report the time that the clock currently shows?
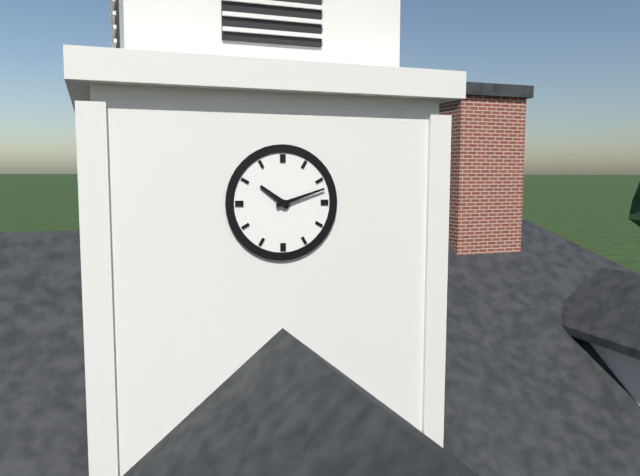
10:12
